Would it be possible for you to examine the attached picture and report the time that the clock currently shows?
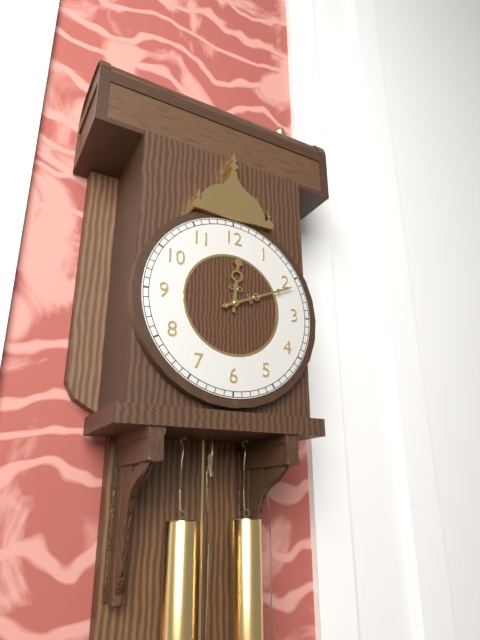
12:11
